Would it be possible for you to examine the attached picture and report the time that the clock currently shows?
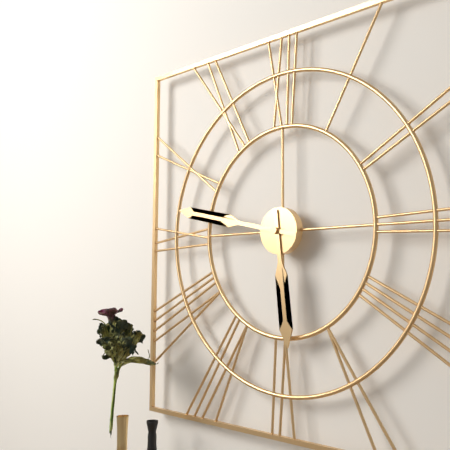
5:47
